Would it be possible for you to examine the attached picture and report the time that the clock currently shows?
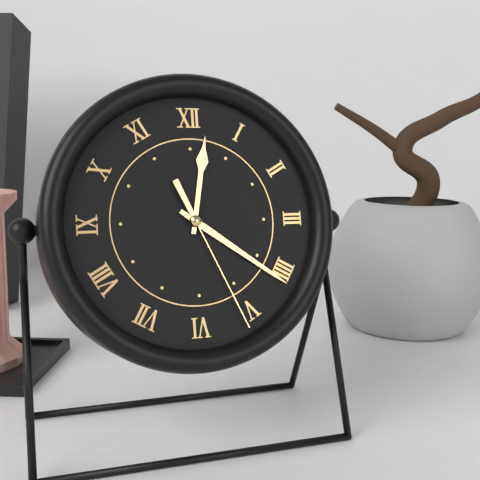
12:21:26
